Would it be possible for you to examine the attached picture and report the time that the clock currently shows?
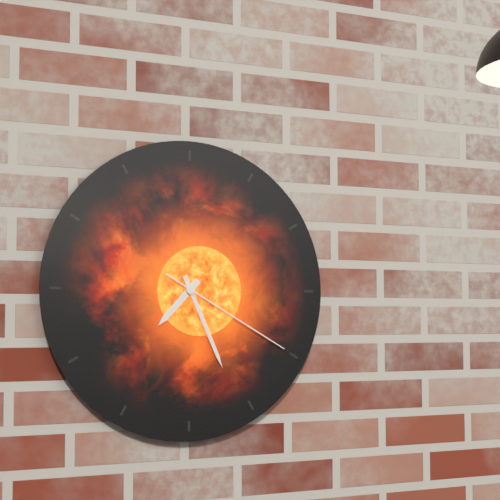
7:26:20
